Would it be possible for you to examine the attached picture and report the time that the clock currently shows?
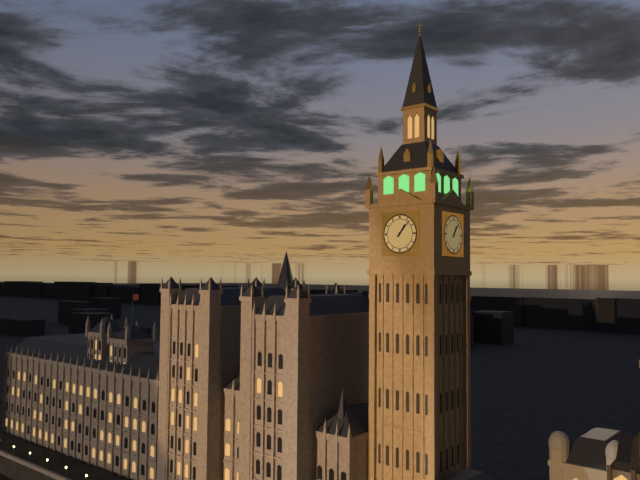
1:07
